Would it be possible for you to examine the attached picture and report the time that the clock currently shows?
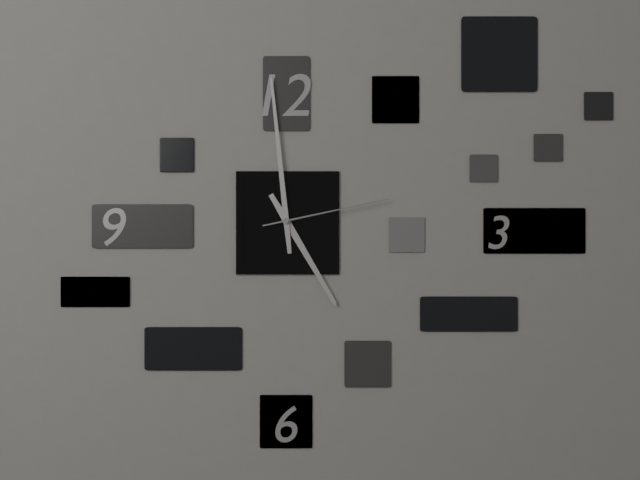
4:59:13
